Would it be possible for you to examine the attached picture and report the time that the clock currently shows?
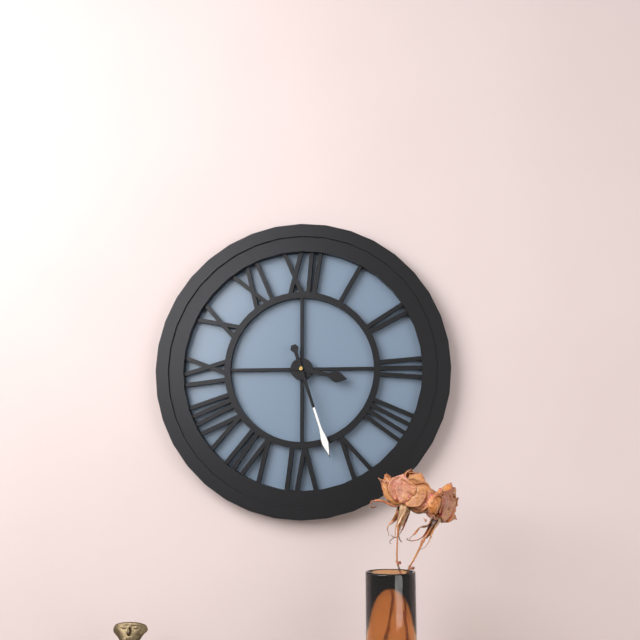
3:27
